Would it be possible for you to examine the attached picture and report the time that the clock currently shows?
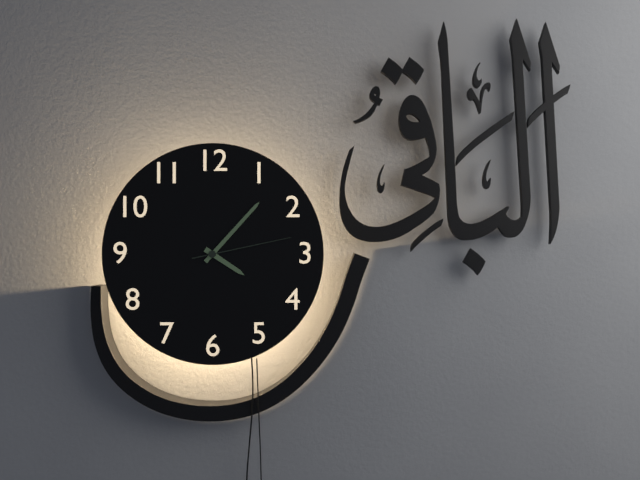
4:07:13
